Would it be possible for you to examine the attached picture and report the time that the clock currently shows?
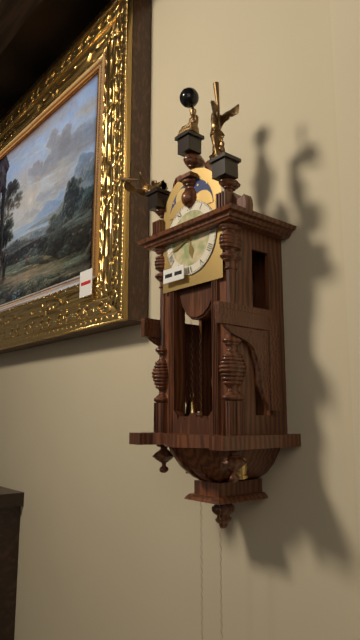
5:42
